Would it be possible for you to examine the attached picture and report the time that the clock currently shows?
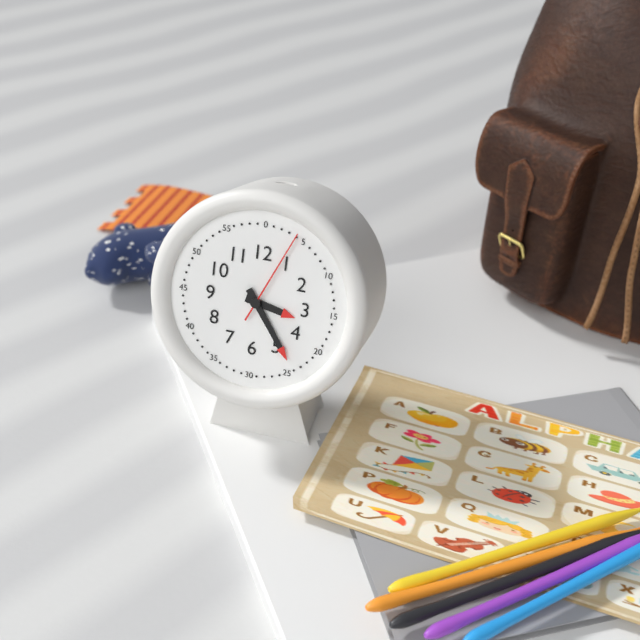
3:24:04
